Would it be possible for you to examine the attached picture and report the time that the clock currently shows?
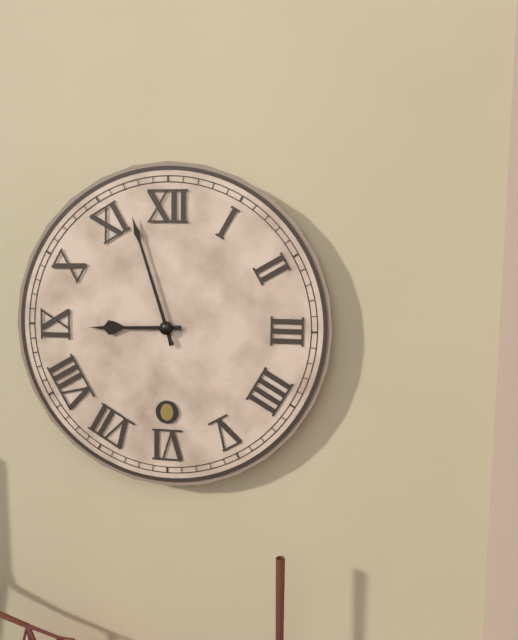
8:57
